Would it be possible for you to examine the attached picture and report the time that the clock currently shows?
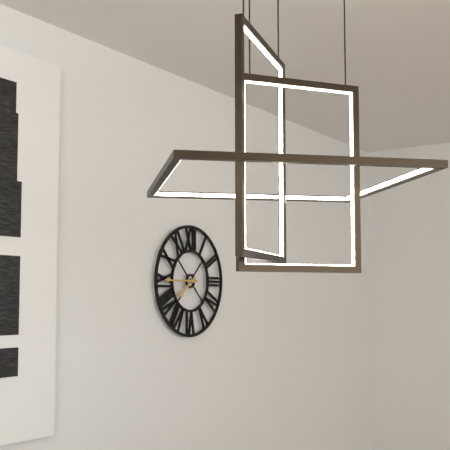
7:45
